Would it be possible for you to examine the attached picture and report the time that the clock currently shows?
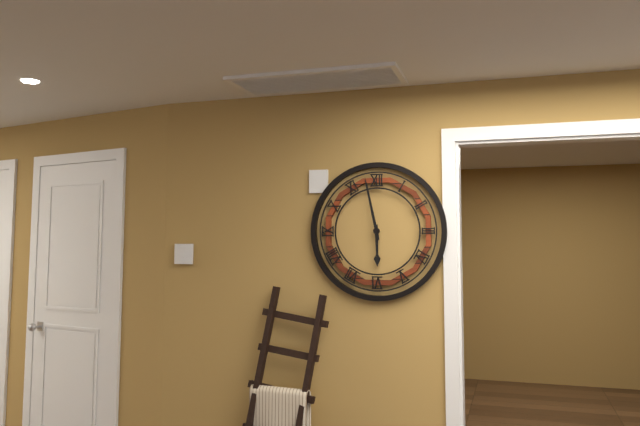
5:58
